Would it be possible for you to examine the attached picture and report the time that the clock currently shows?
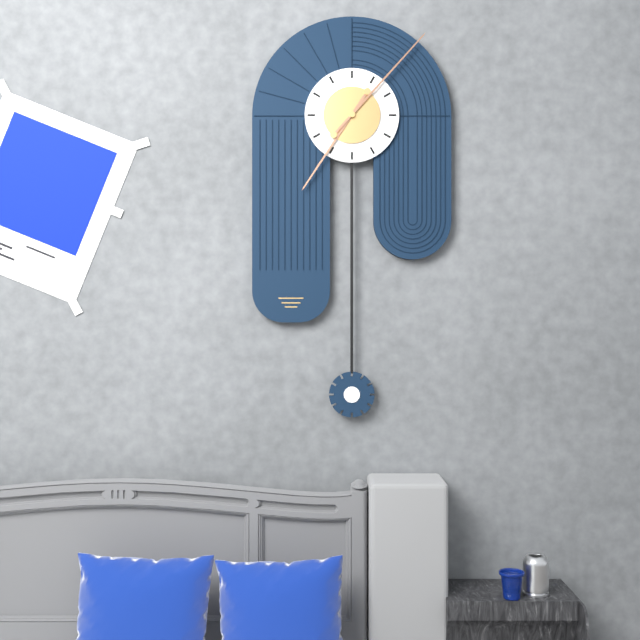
7:07
